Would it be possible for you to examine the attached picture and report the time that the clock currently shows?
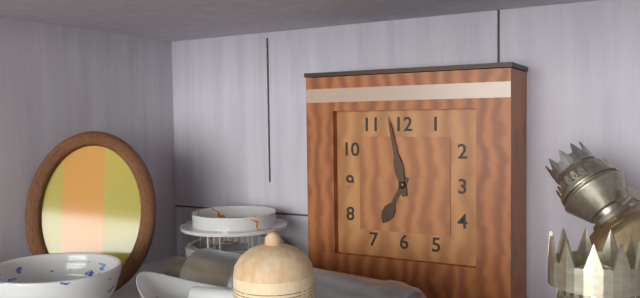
6:58
